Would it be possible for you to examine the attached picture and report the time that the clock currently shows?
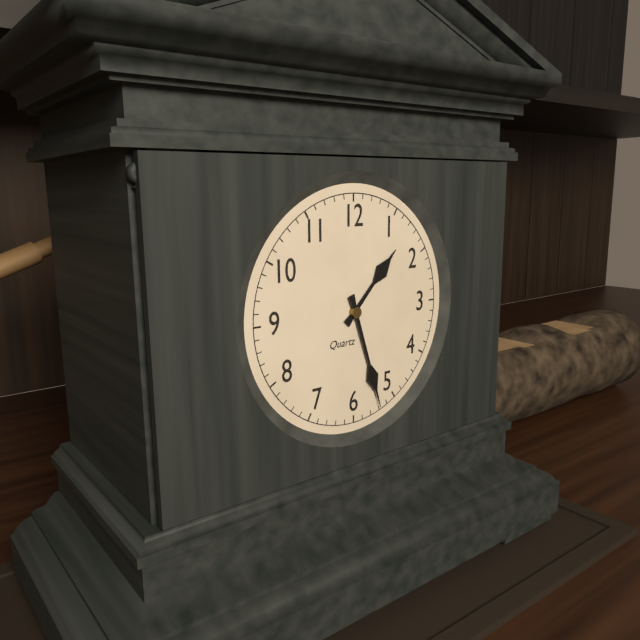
1:27
